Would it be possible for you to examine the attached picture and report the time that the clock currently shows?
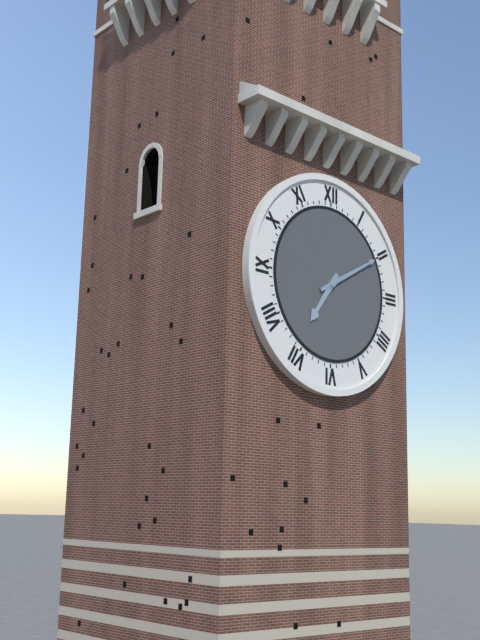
7:10
